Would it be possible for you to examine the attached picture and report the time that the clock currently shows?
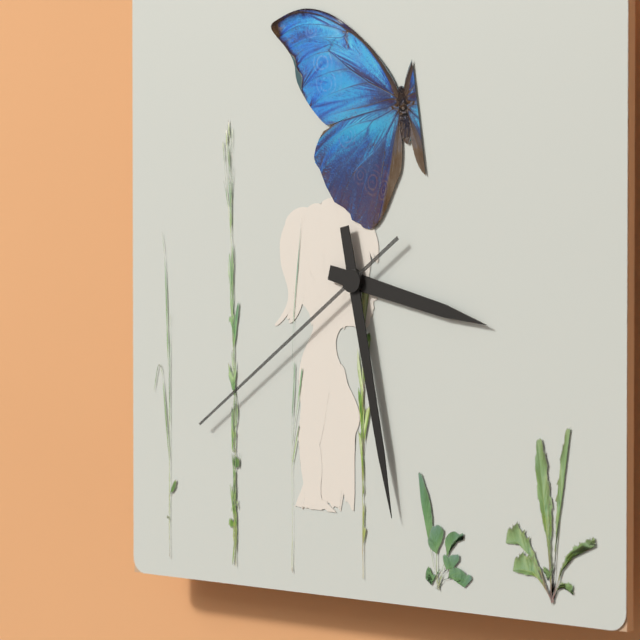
3:28:39
